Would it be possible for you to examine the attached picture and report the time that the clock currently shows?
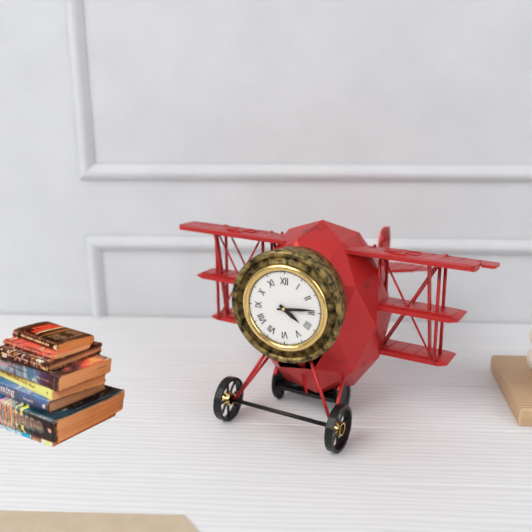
4:14
